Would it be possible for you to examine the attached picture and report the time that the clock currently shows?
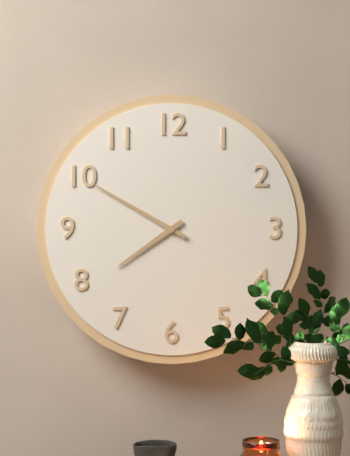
7:50
